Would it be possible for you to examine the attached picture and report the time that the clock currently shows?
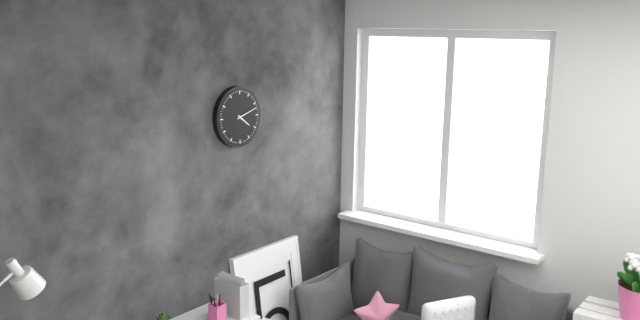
4:12
